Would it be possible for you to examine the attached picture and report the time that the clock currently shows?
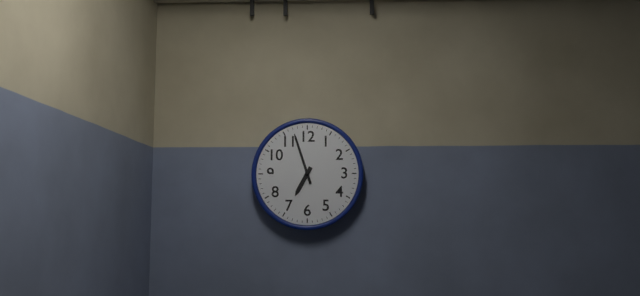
6:57
